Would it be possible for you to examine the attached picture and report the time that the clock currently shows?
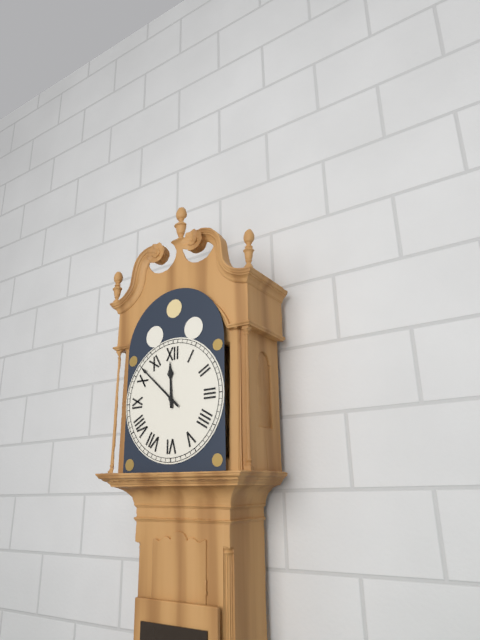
11:52
